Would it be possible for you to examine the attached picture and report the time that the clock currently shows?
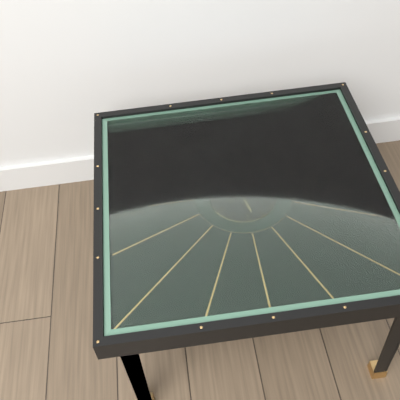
9:28
